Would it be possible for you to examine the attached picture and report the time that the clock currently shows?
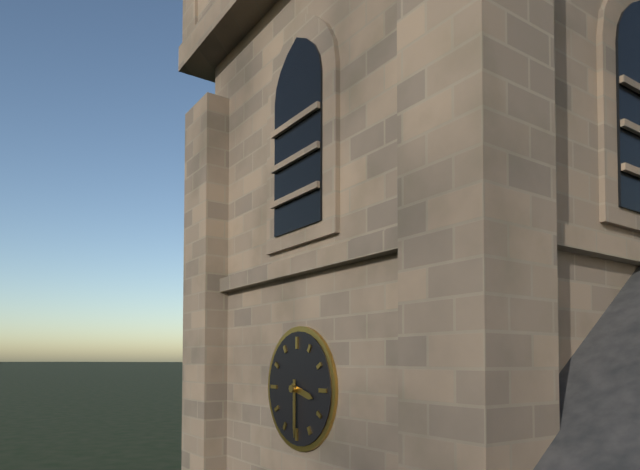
3:30
